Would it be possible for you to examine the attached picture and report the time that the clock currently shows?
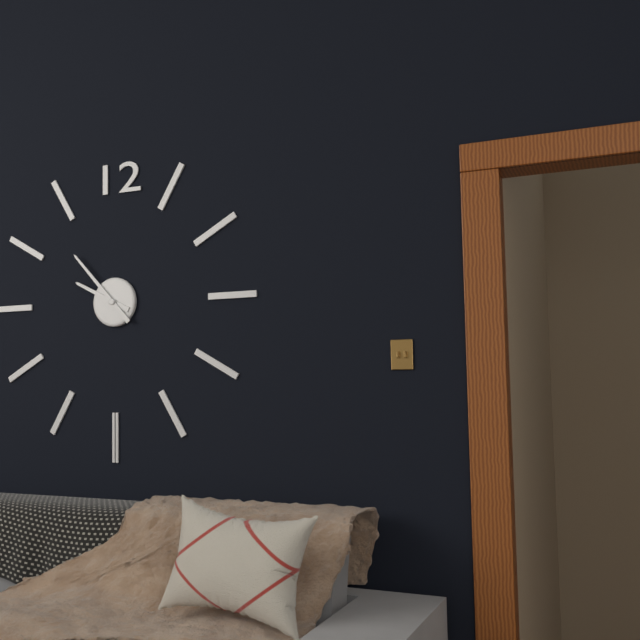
9:53
